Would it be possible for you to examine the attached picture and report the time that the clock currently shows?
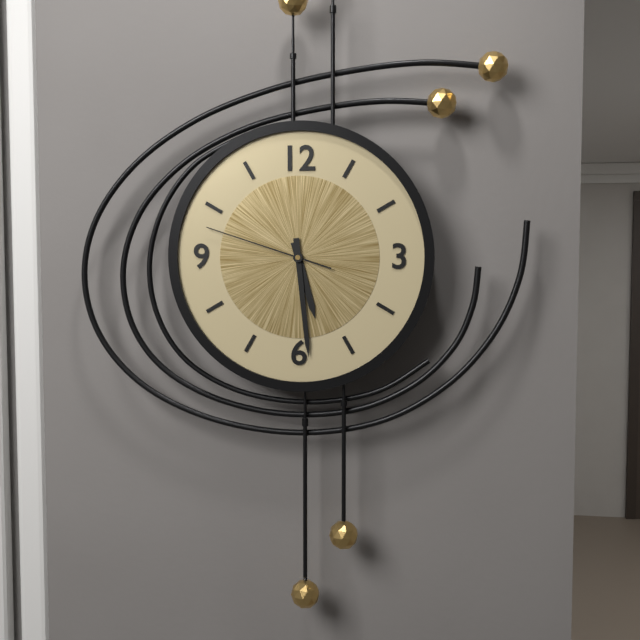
5:29:48
